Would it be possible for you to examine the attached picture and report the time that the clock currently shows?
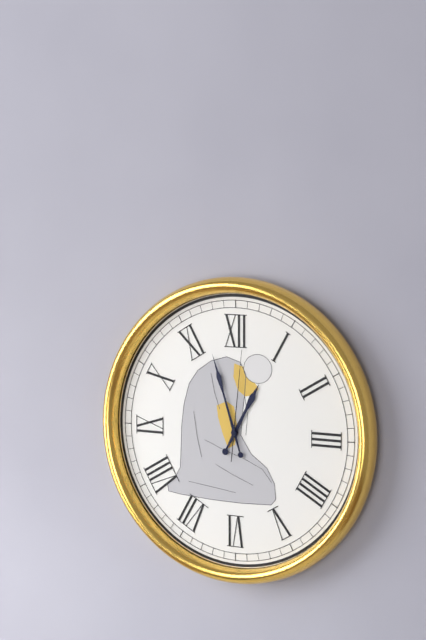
12:57:01
